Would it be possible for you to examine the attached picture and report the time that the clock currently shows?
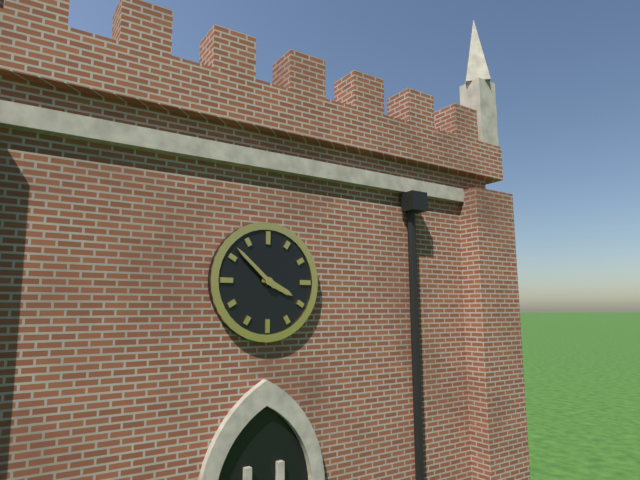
3:52
